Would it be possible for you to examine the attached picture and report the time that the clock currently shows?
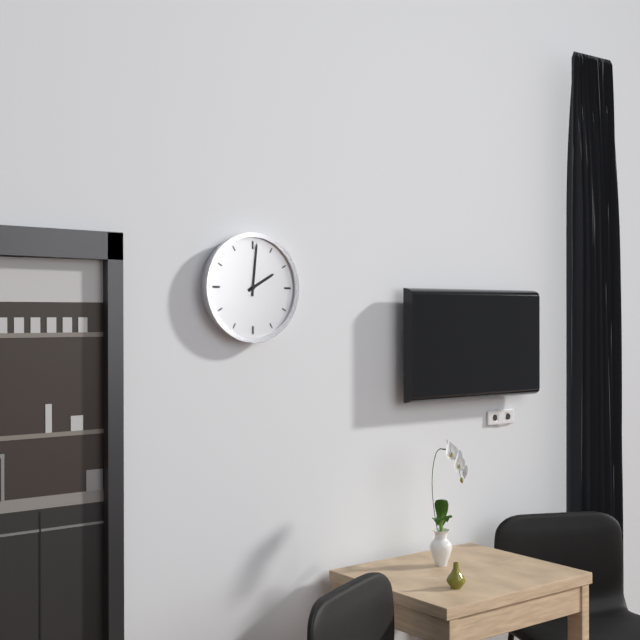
2:01
